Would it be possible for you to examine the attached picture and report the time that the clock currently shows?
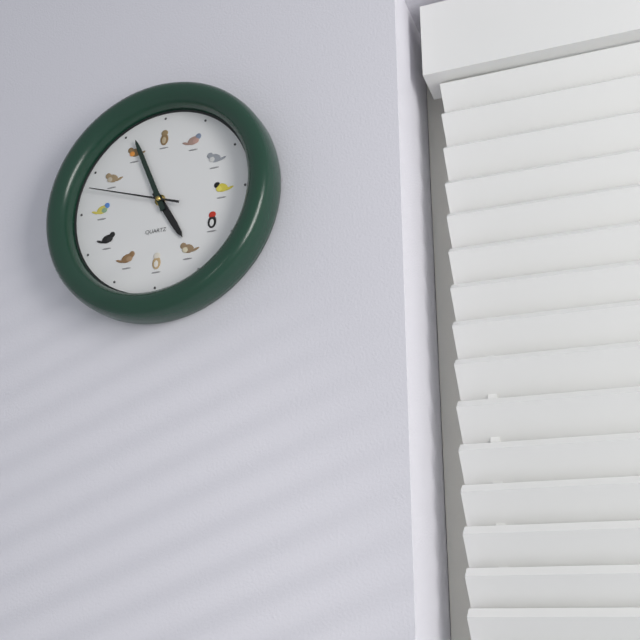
4:56:48
